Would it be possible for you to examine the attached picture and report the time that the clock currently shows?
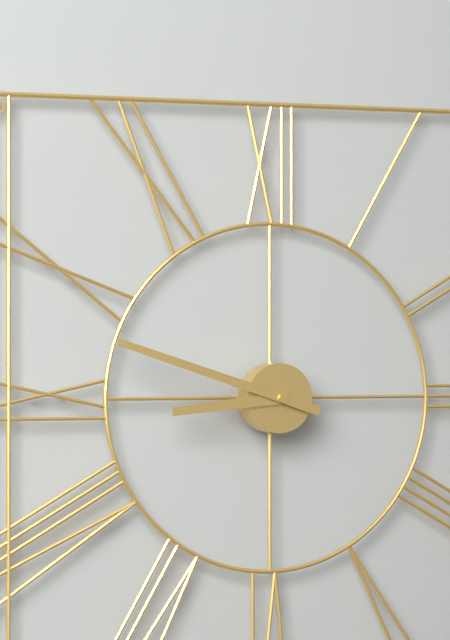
8:48
